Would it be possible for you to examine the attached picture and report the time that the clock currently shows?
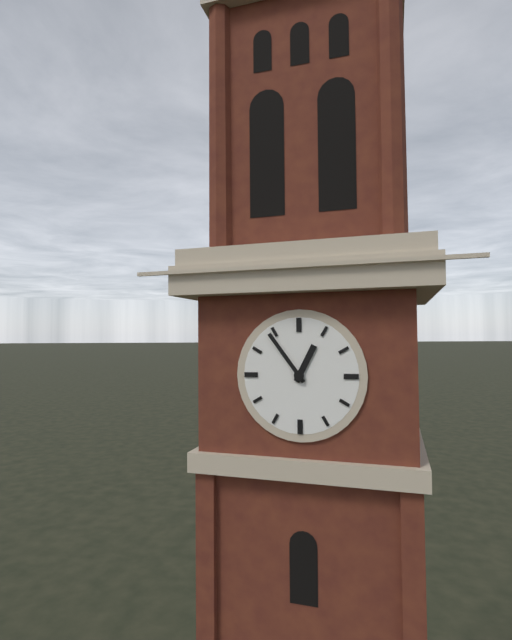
12:54
